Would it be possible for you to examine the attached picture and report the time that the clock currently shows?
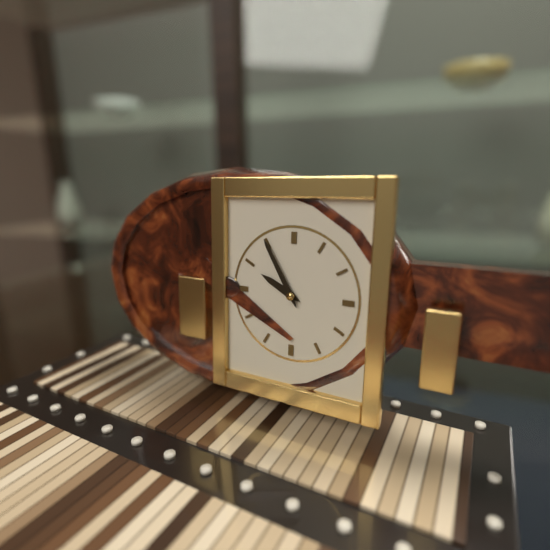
9:55
